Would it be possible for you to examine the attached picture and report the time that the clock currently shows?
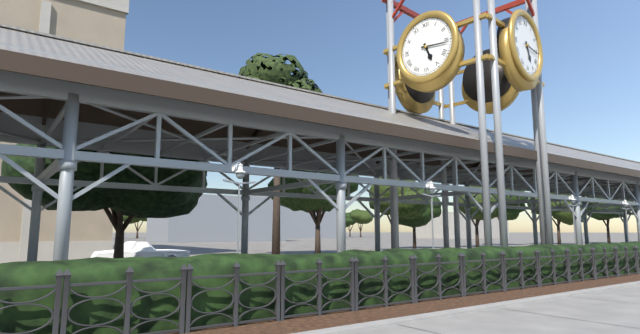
5:16
